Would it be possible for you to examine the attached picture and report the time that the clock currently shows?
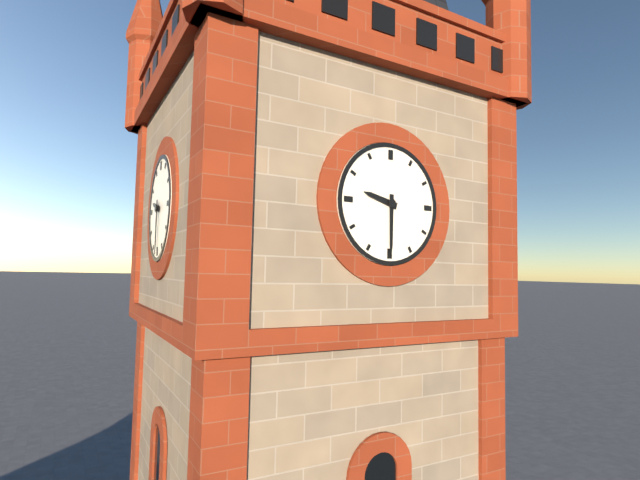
9:30
